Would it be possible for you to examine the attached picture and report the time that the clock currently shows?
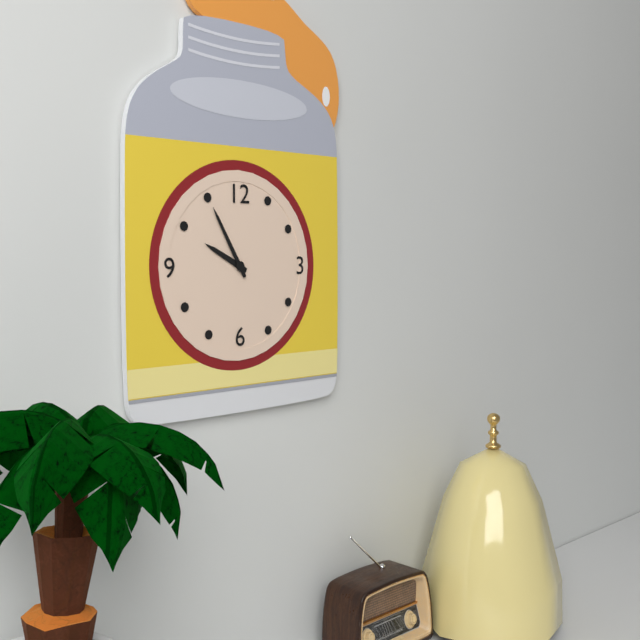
9:55
